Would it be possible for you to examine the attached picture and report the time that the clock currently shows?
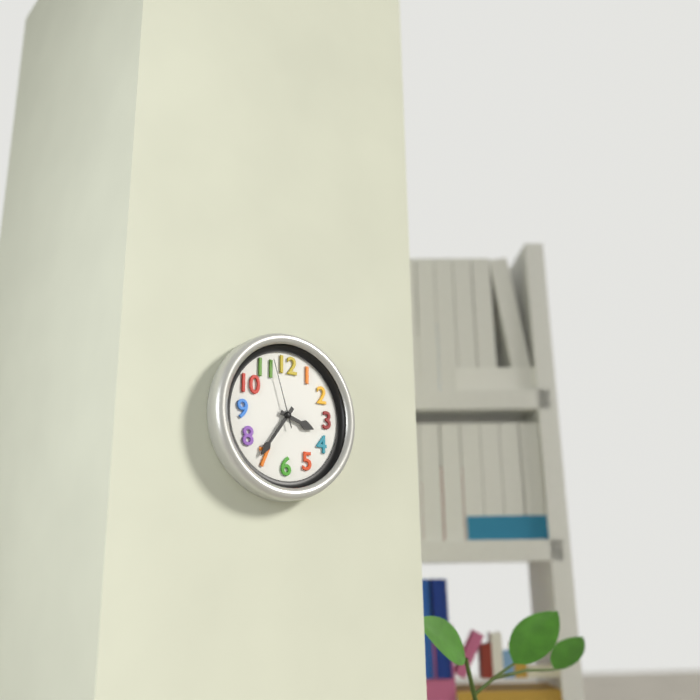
3:36:57
